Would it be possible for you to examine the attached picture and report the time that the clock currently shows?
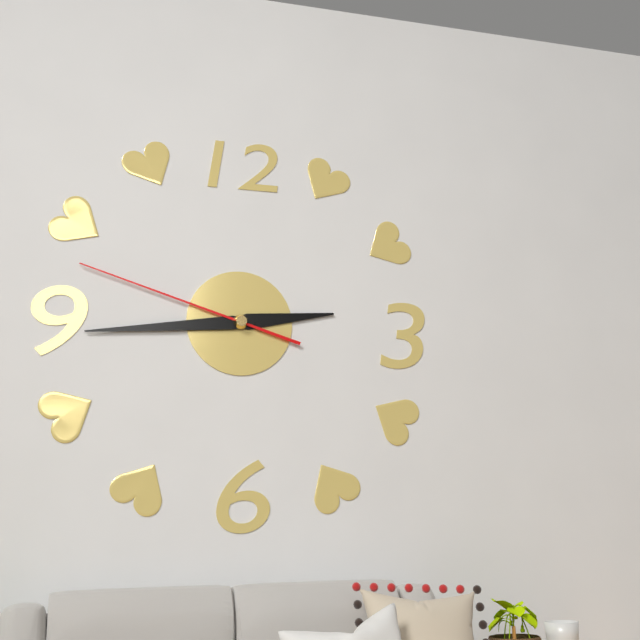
2:44:48
